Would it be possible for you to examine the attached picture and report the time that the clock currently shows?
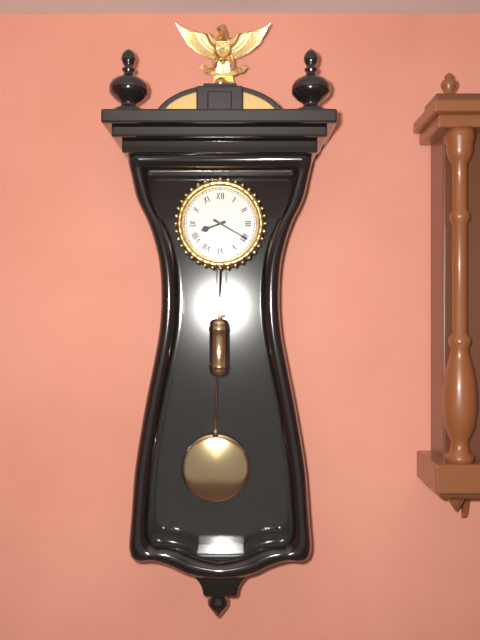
8:20
